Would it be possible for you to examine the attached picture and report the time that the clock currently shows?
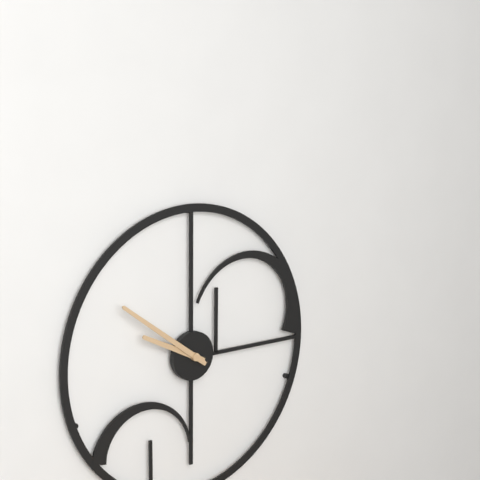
9:51
